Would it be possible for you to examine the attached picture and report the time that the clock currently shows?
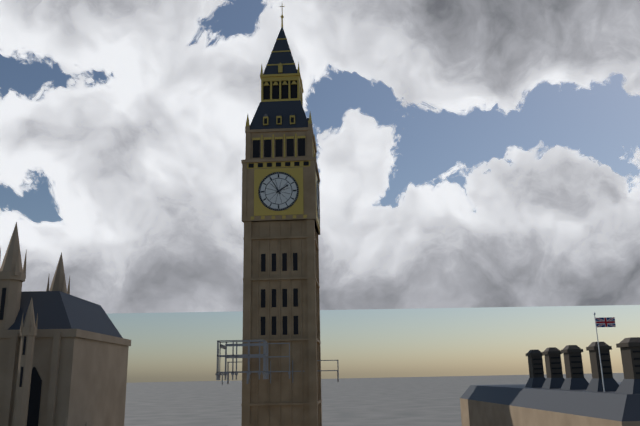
1:55
